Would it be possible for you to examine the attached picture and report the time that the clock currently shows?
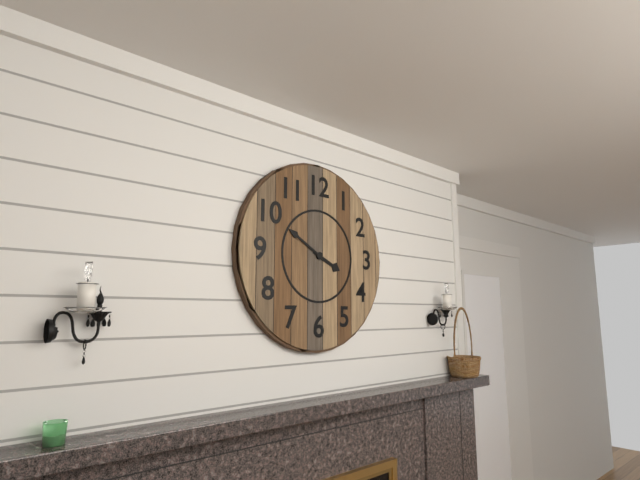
3:50
